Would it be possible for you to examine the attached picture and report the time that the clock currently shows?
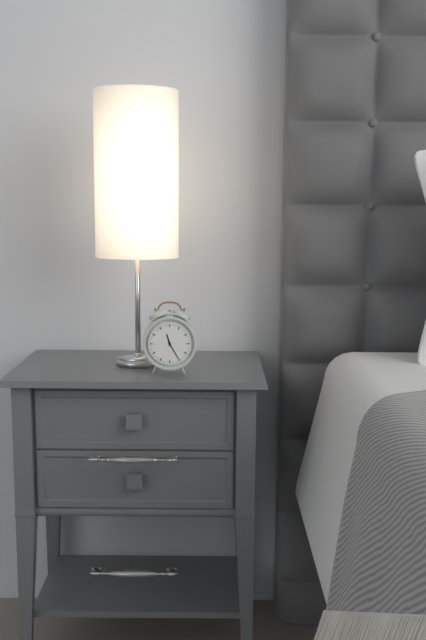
11:25
